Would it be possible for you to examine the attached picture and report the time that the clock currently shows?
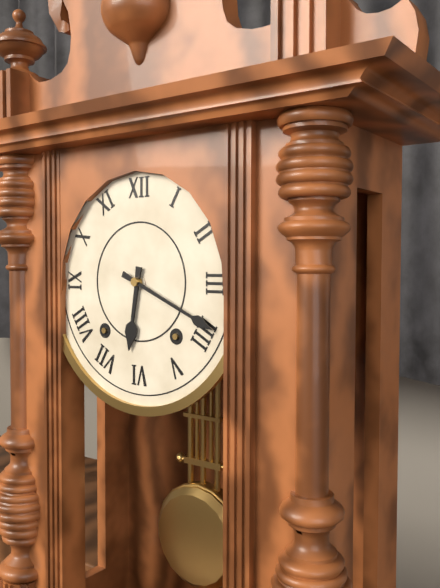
6:19
